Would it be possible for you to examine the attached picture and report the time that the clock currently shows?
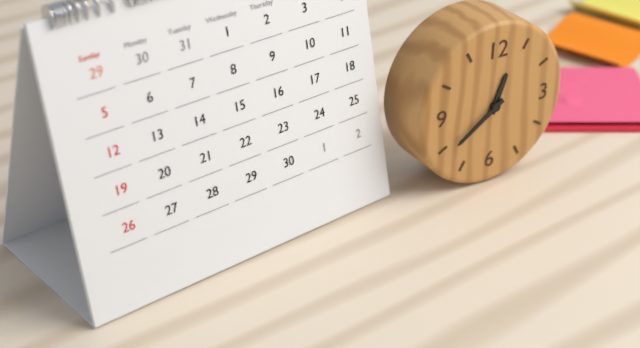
12:39
